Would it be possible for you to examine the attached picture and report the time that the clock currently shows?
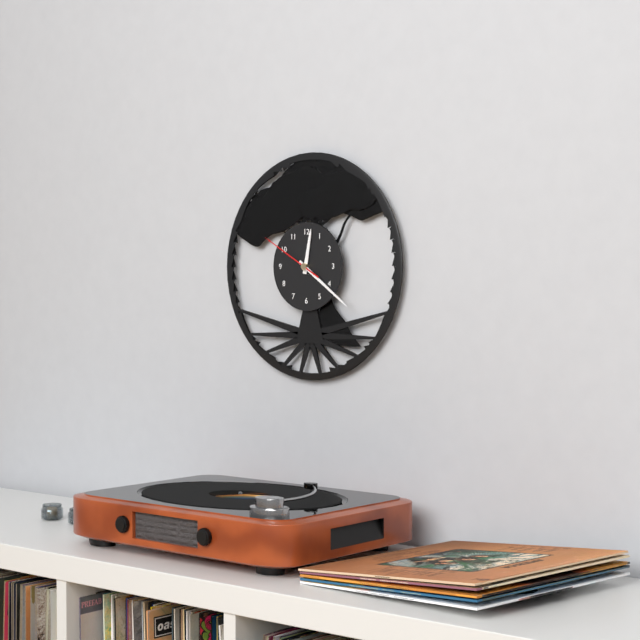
12:21:50
